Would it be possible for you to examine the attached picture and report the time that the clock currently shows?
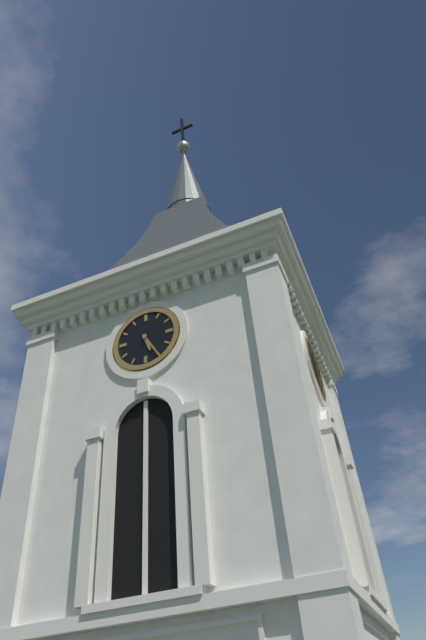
5:25
